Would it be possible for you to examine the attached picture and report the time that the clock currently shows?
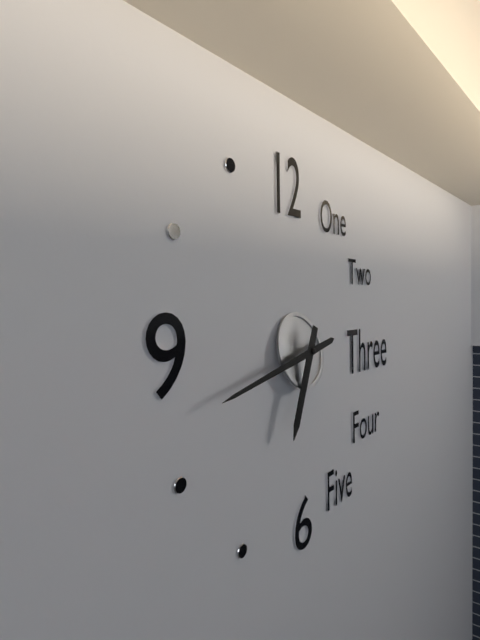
6:43
